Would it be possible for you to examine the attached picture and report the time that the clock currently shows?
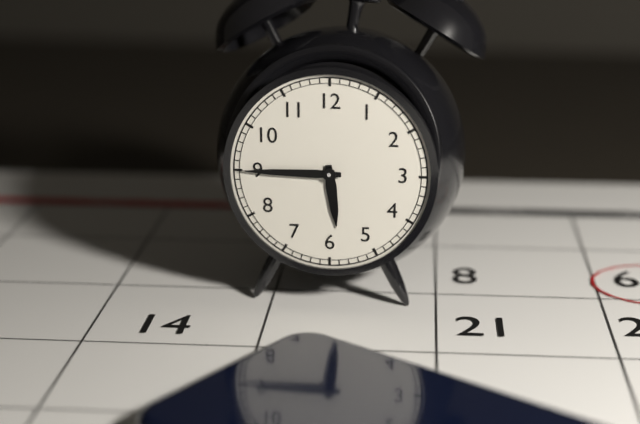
5:45
